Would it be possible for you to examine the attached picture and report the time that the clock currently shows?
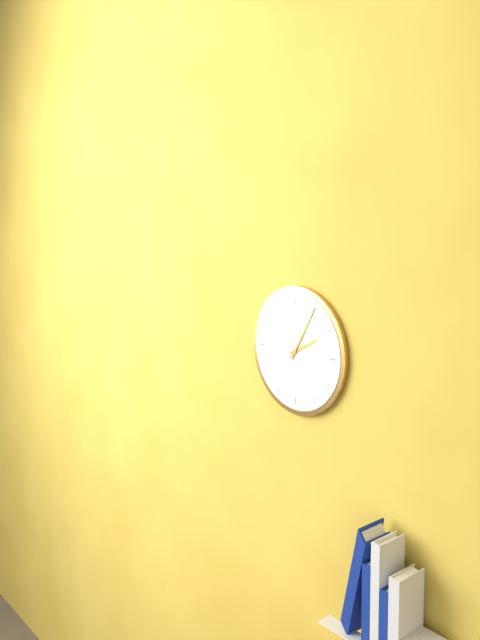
2:05
